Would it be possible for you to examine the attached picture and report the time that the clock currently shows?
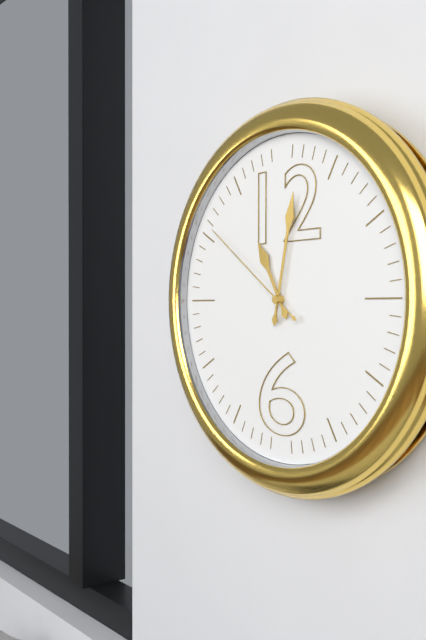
11:02:51
